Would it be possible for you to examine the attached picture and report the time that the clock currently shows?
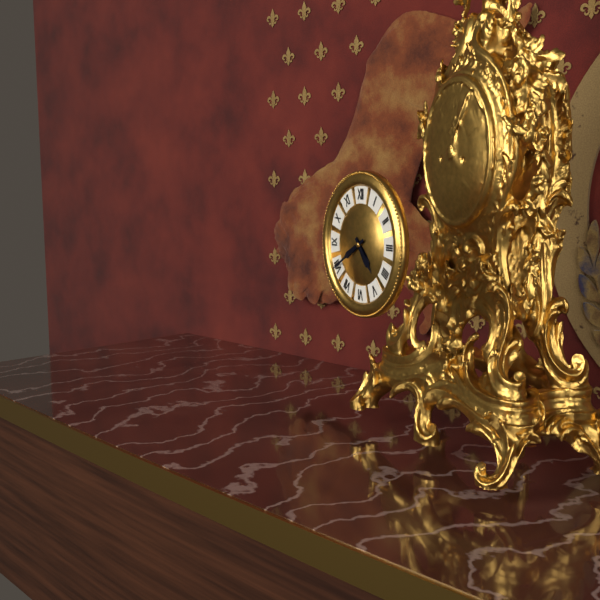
4:40
